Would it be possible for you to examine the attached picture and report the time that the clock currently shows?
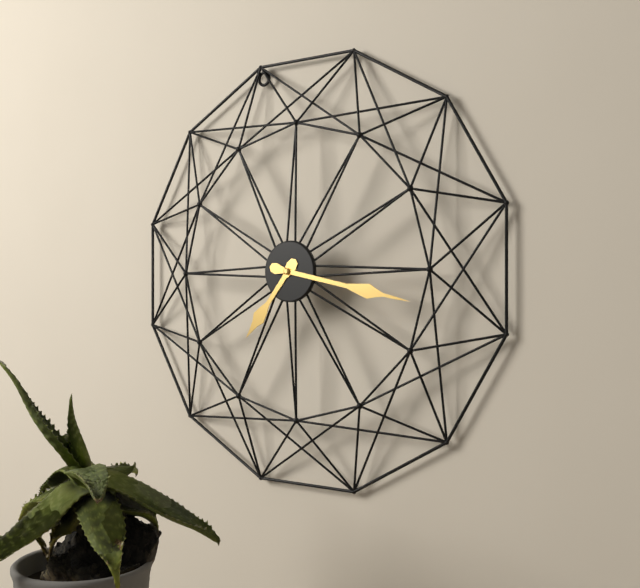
7:17
